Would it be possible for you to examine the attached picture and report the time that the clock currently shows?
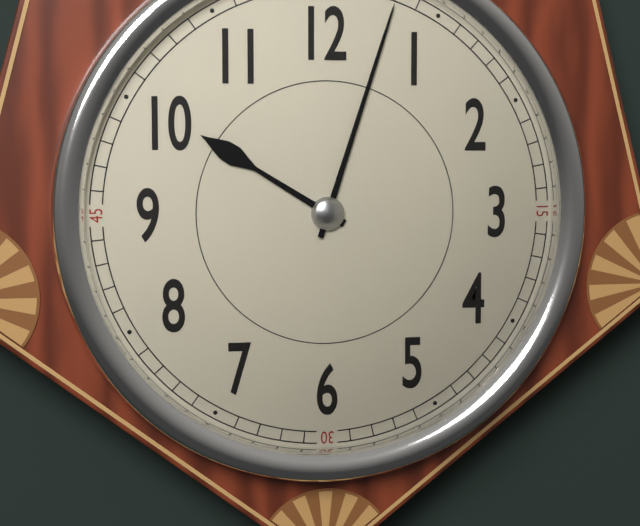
10:03
